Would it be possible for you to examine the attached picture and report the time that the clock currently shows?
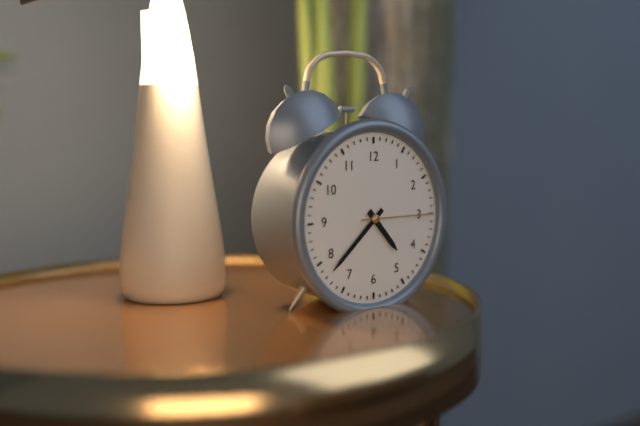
4:38:15
